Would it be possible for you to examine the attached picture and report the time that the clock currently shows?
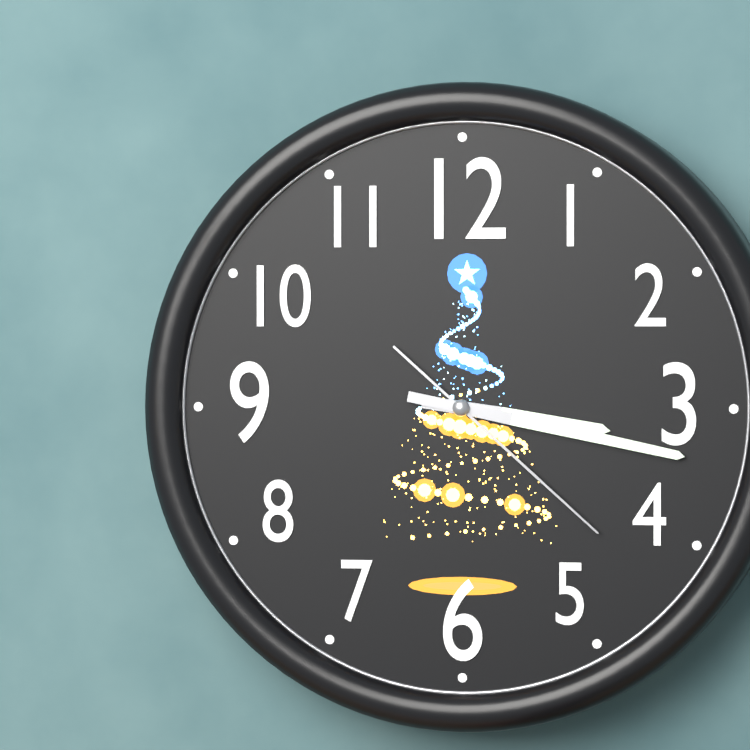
3:17:22
